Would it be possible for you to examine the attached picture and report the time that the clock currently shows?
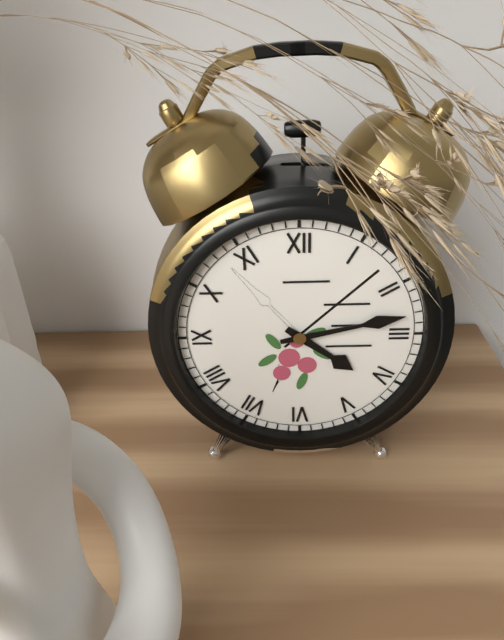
4:13
